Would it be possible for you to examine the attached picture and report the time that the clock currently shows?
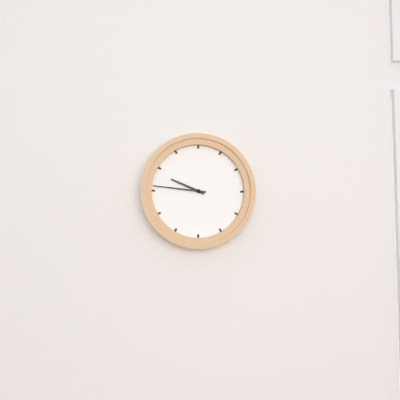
9:46
